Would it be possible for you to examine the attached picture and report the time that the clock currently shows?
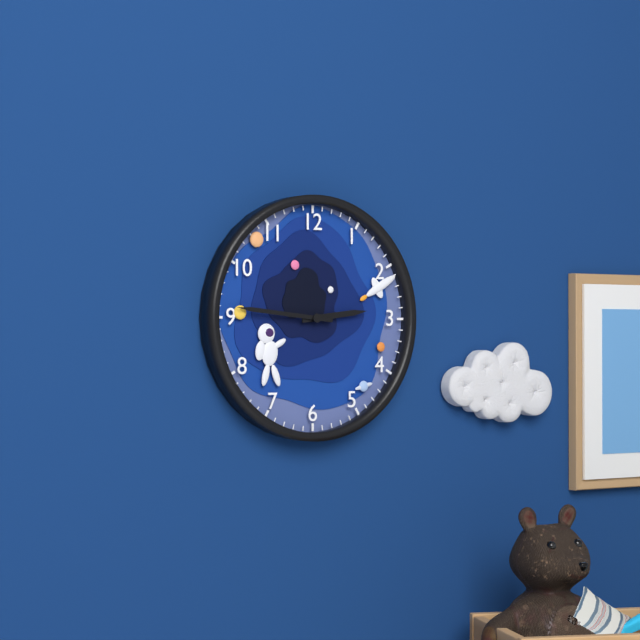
2:46
